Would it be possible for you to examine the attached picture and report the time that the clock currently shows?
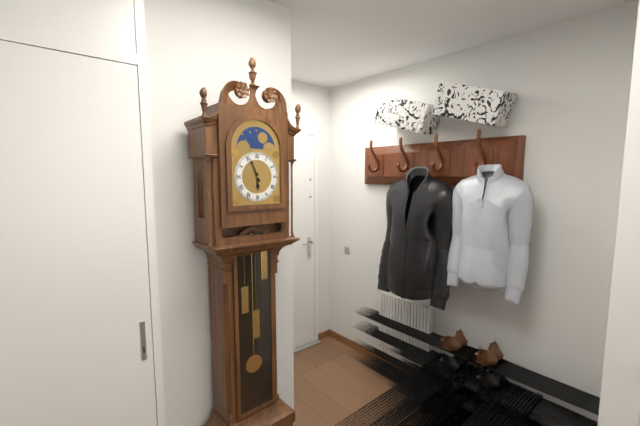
5:56
